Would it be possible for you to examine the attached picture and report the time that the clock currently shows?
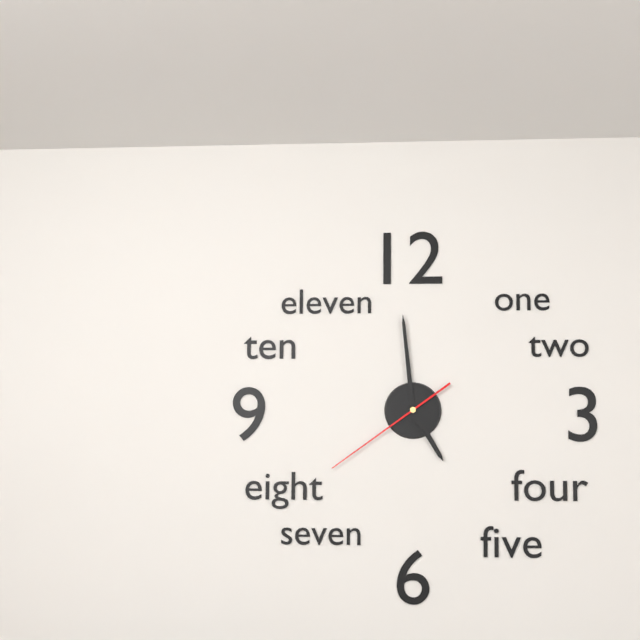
4:59:39
